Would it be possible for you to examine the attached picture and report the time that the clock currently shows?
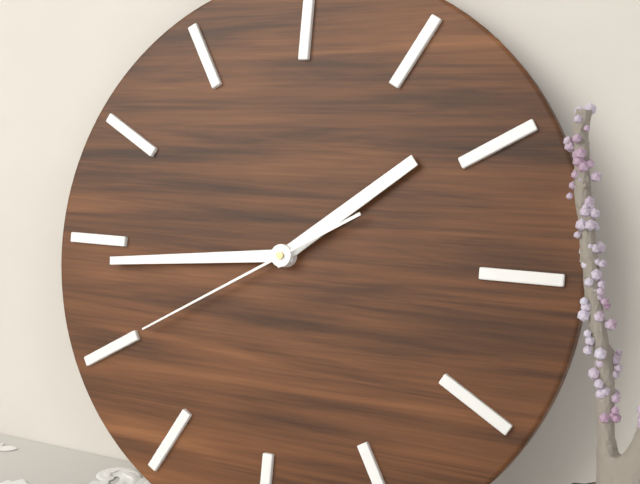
1:44:40
